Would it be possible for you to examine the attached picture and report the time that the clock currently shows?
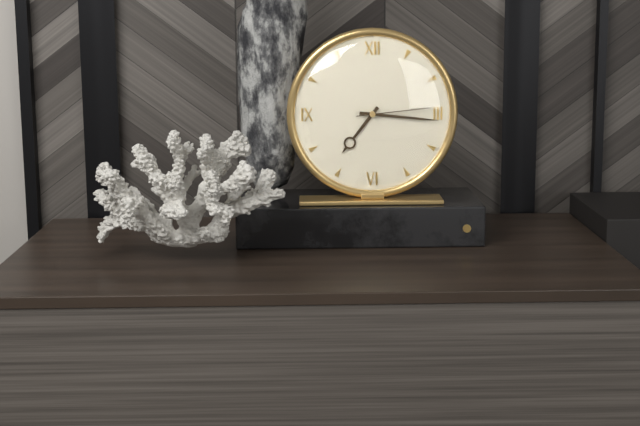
7:16:14
